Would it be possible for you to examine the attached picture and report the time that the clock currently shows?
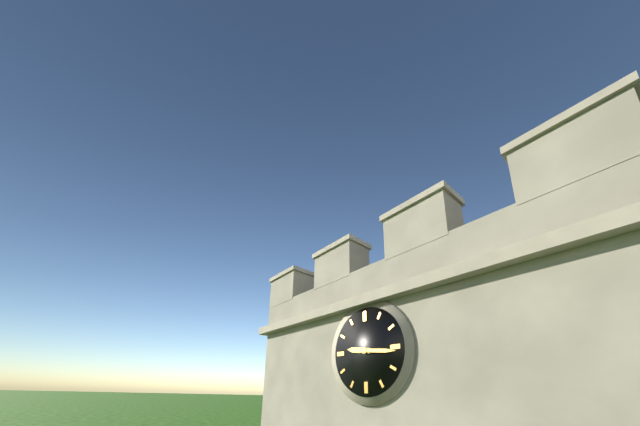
9:16
